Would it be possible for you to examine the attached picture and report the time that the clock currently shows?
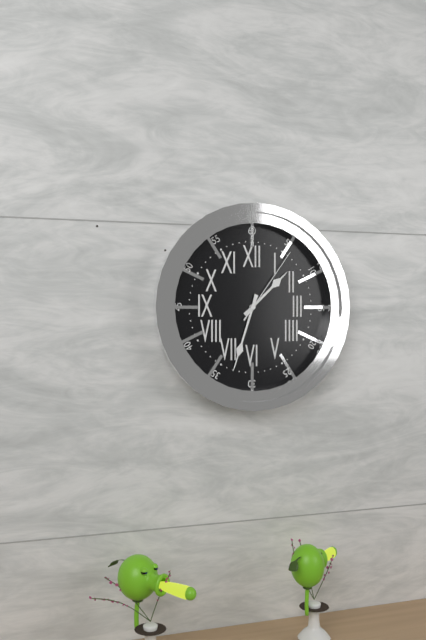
1:33:06
